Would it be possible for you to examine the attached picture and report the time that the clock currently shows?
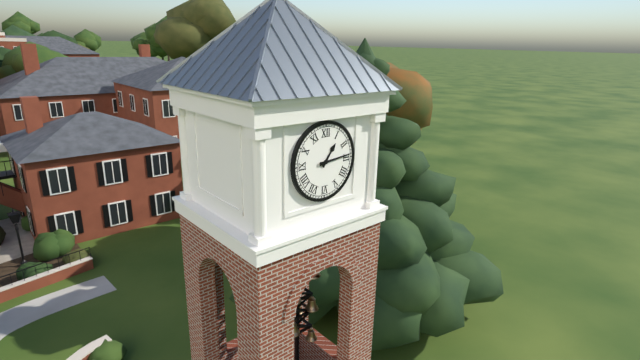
1:14
